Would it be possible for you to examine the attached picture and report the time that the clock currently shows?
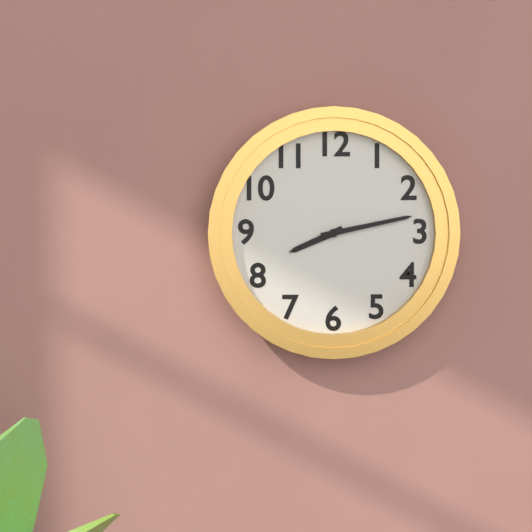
8:13
